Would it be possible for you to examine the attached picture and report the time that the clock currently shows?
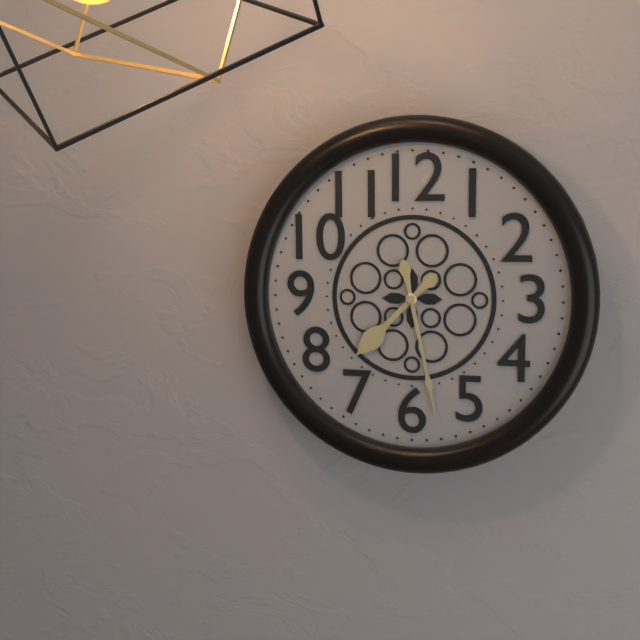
7:28
